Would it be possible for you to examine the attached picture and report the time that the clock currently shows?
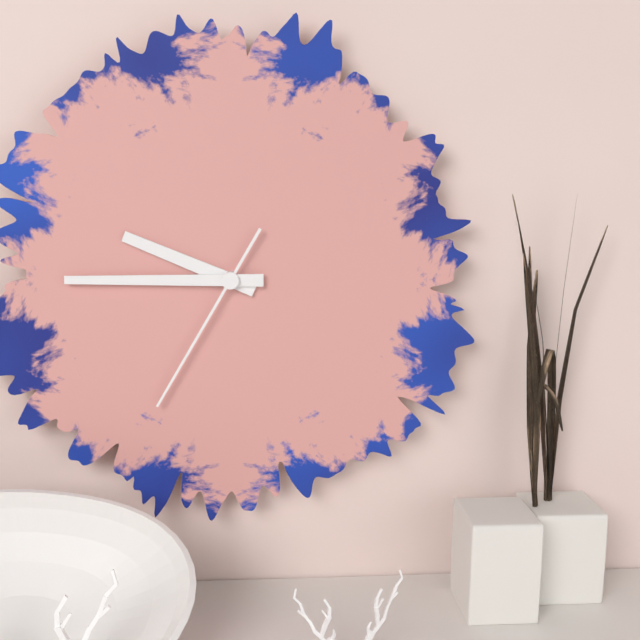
9:45:35
